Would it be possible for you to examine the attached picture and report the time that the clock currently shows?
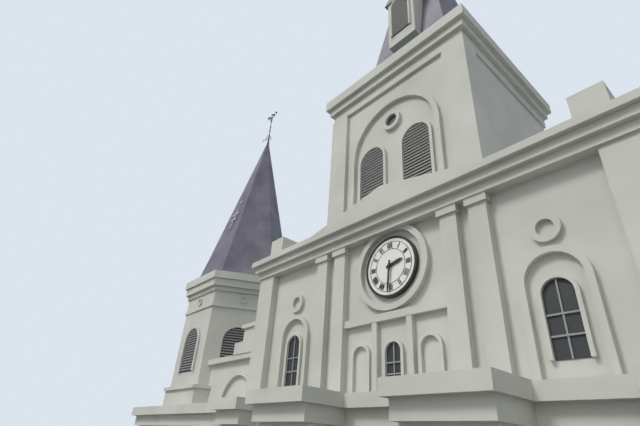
2:31
